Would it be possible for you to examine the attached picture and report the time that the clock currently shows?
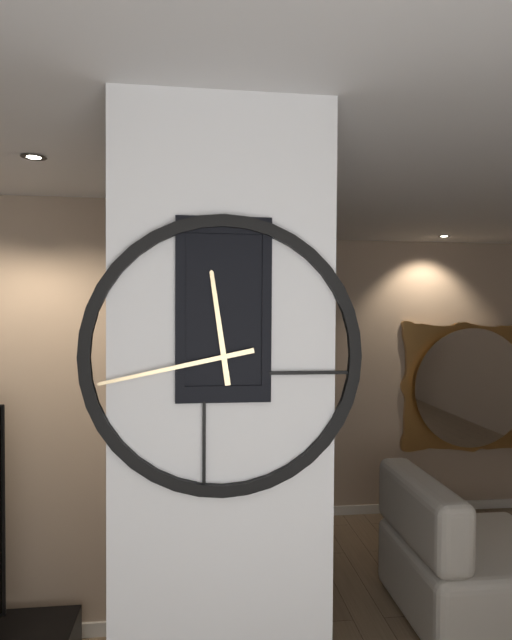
11:43
